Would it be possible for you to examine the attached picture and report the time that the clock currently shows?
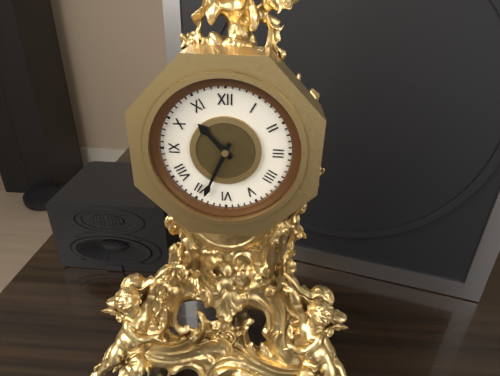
10:34
